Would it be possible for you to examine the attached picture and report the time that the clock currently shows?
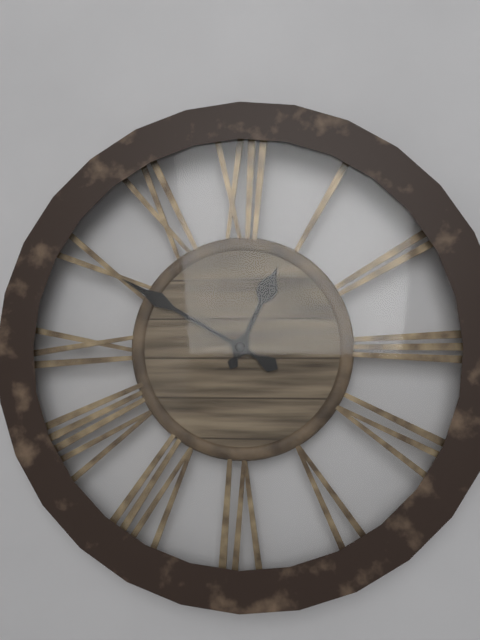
12:50
